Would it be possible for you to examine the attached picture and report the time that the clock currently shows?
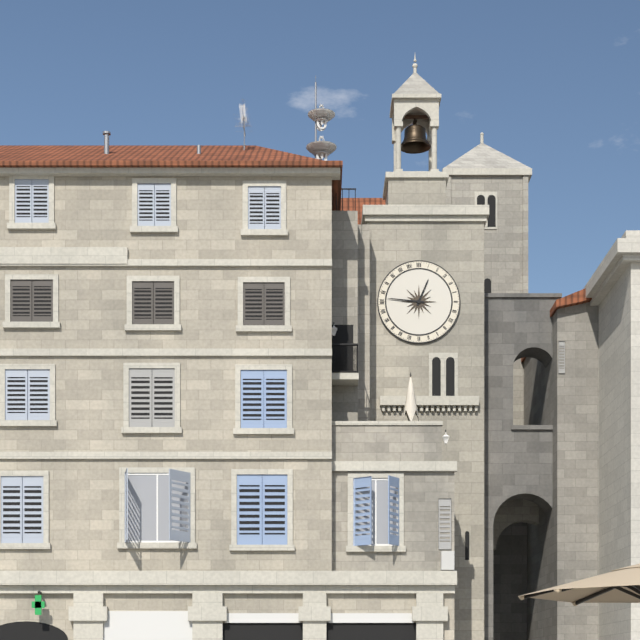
12:46
